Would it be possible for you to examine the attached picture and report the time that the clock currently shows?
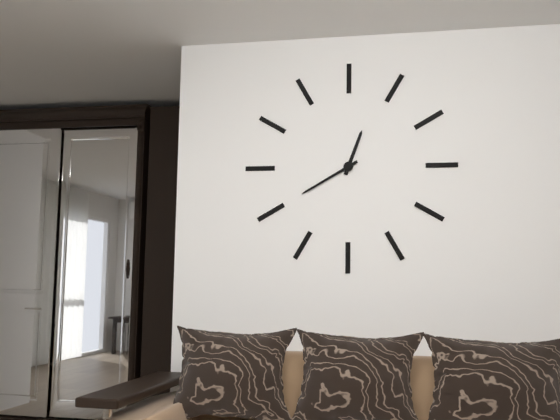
12:40
